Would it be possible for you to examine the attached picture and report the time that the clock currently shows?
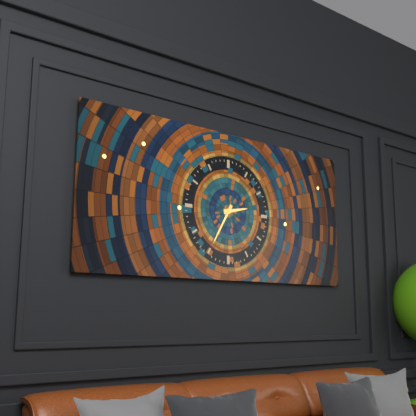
2:35
